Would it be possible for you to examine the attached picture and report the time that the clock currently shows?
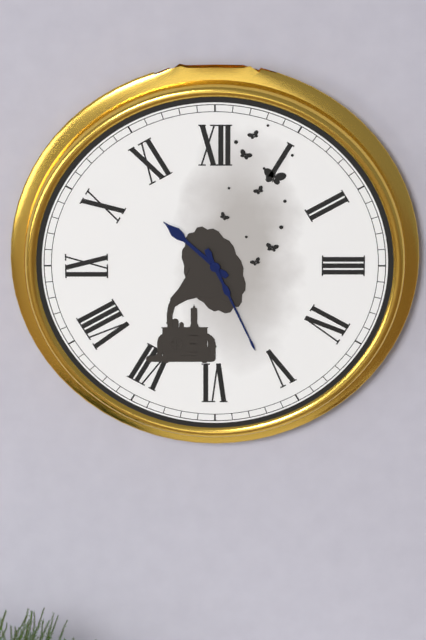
10:26
